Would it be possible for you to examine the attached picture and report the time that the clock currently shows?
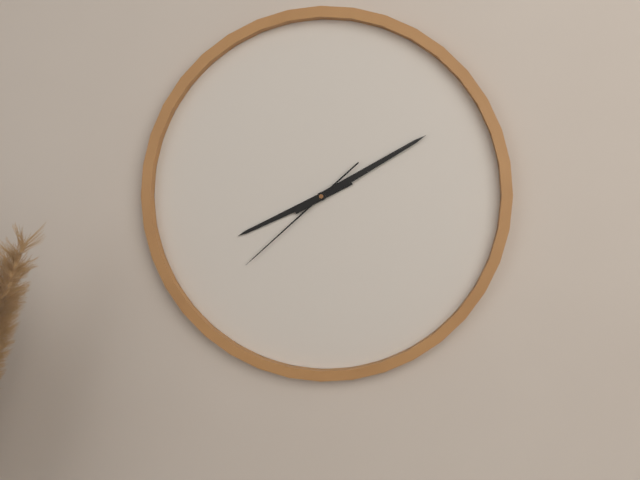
8:10:38
